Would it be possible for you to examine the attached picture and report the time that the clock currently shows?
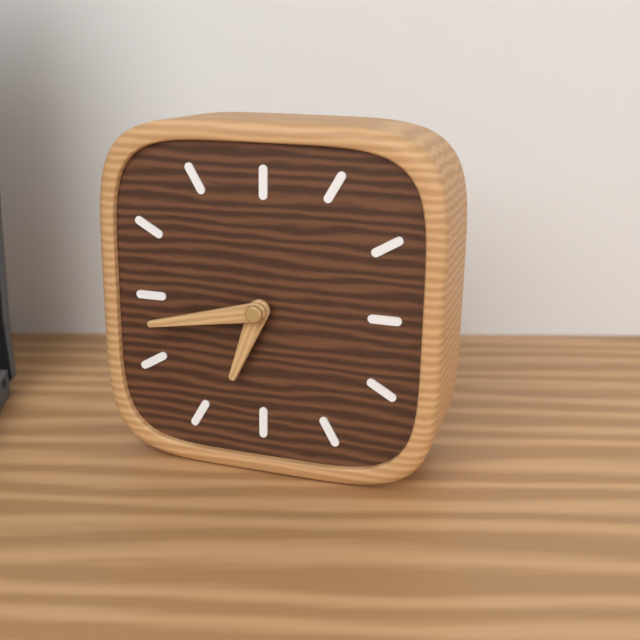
6:43
